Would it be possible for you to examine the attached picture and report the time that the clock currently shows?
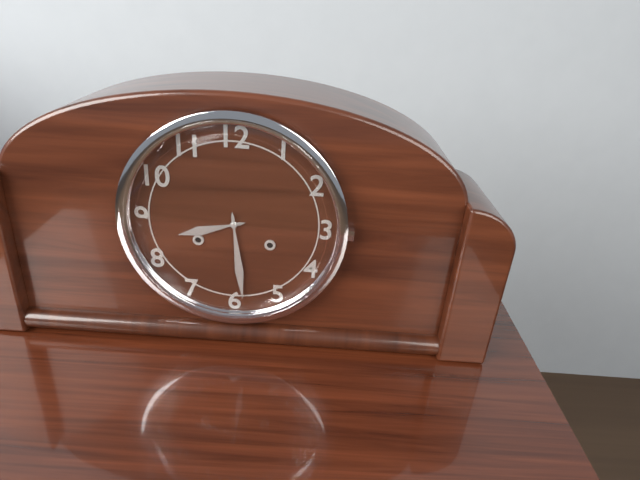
8:29
